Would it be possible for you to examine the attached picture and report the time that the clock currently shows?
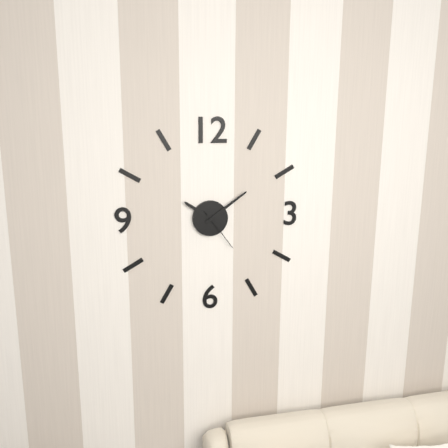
10:09
